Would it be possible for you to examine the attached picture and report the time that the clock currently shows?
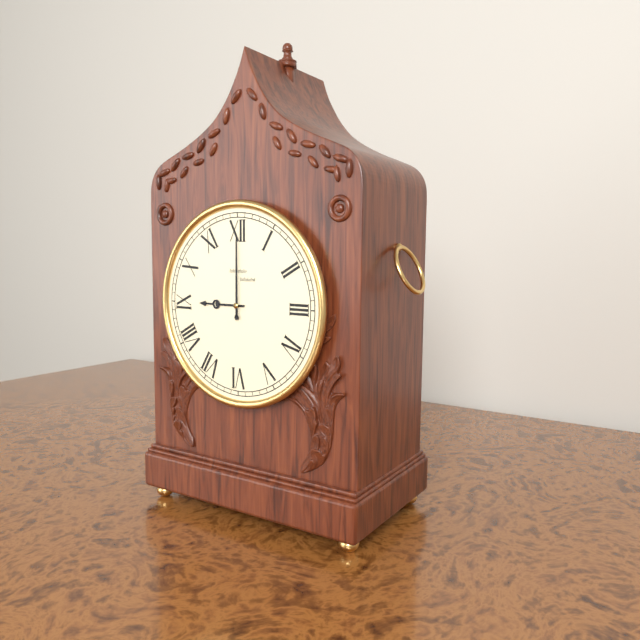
9:00
